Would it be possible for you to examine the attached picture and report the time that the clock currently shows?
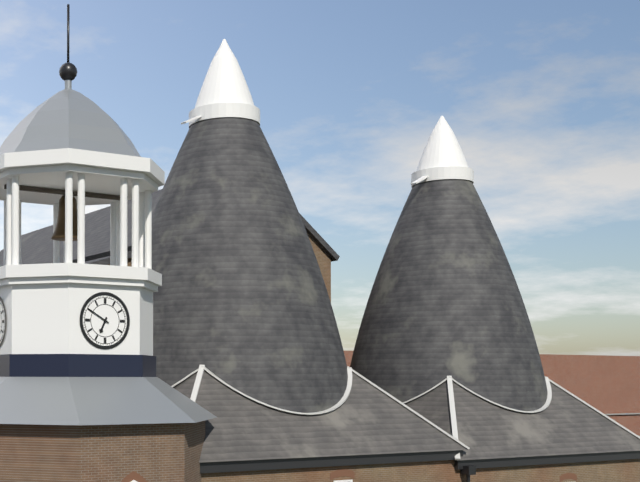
6:50
